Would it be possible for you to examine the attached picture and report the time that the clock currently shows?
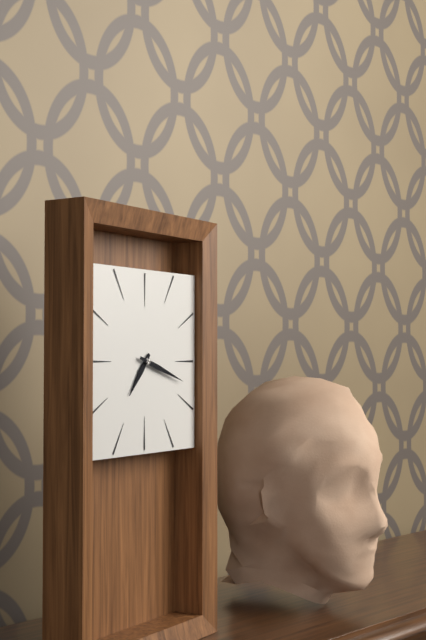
7:18
